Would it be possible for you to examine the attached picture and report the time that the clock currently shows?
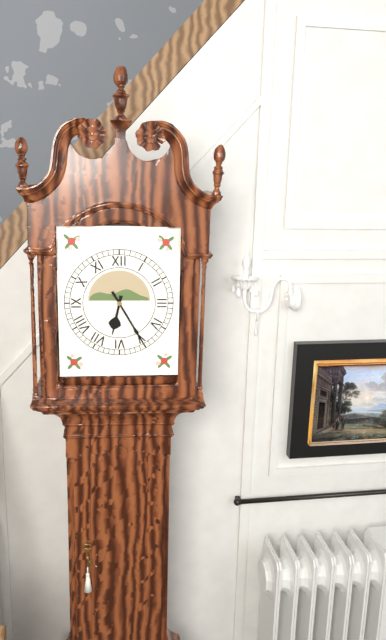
6:25
